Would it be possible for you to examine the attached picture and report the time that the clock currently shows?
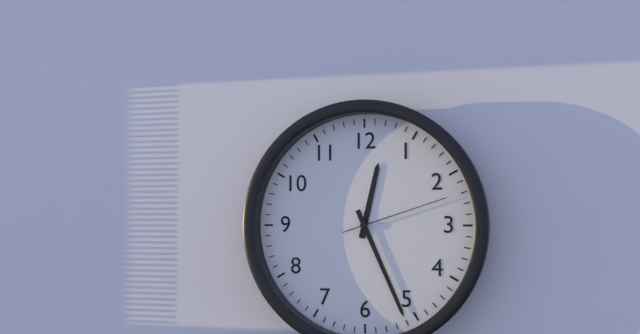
12:26:12
